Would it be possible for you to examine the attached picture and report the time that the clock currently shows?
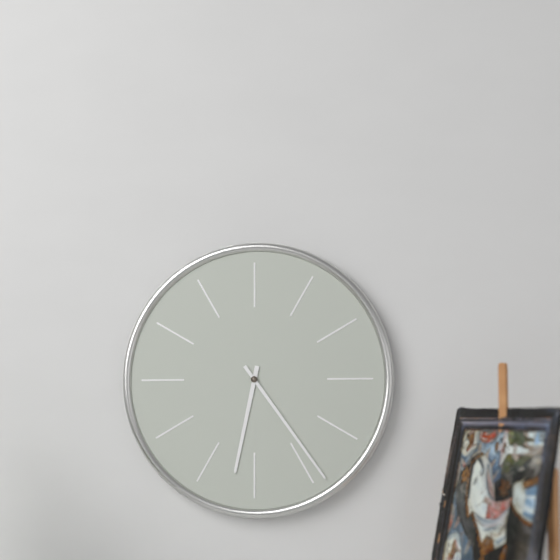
6:24
